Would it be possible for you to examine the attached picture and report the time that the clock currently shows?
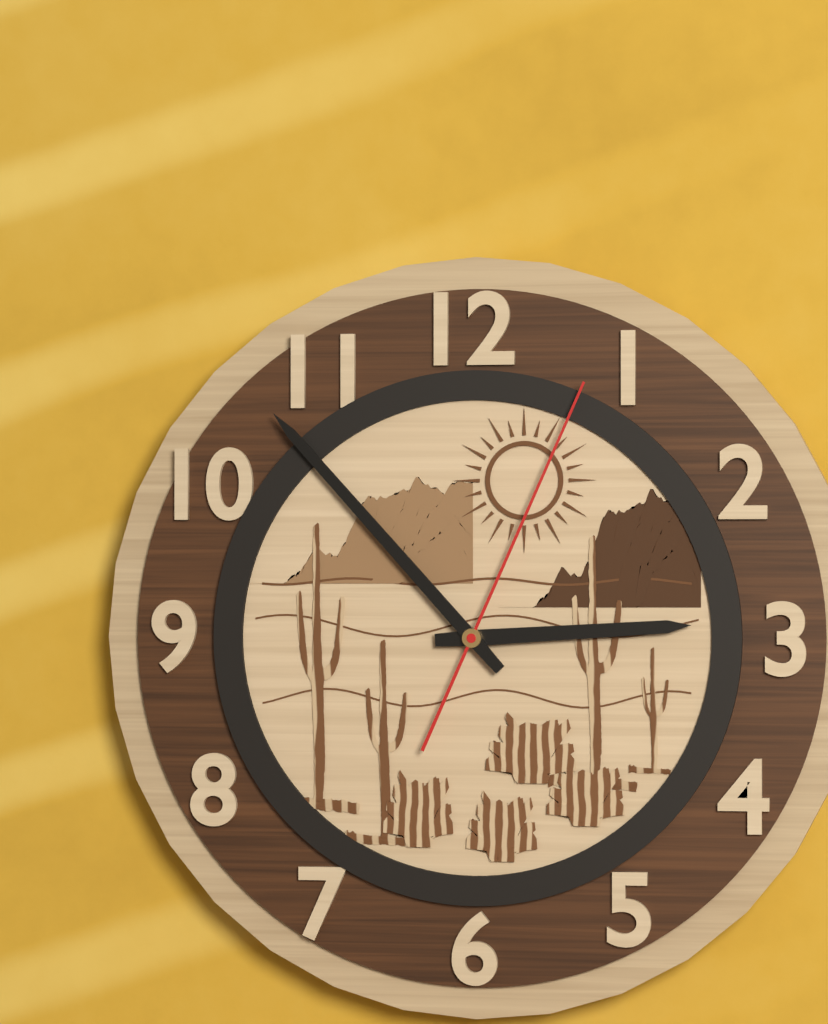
2:53:04
